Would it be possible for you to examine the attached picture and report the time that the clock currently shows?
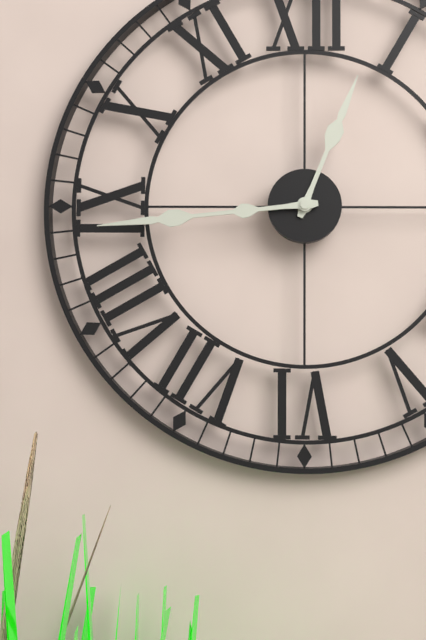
12:44
